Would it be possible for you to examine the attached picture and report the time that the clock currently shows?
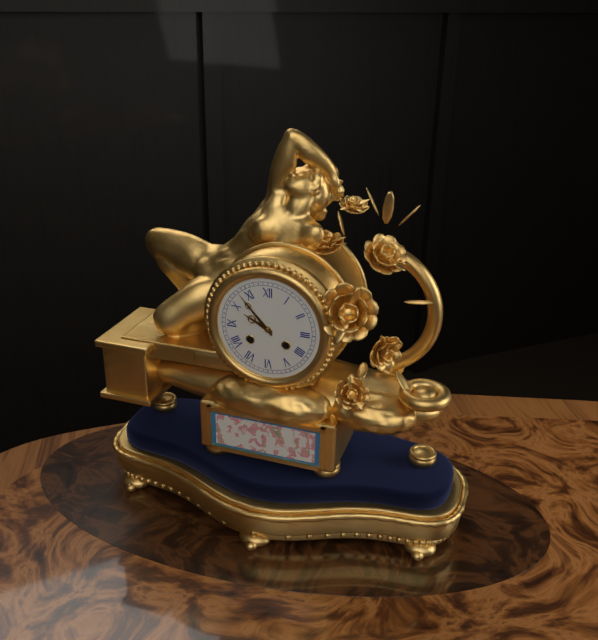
9:53
